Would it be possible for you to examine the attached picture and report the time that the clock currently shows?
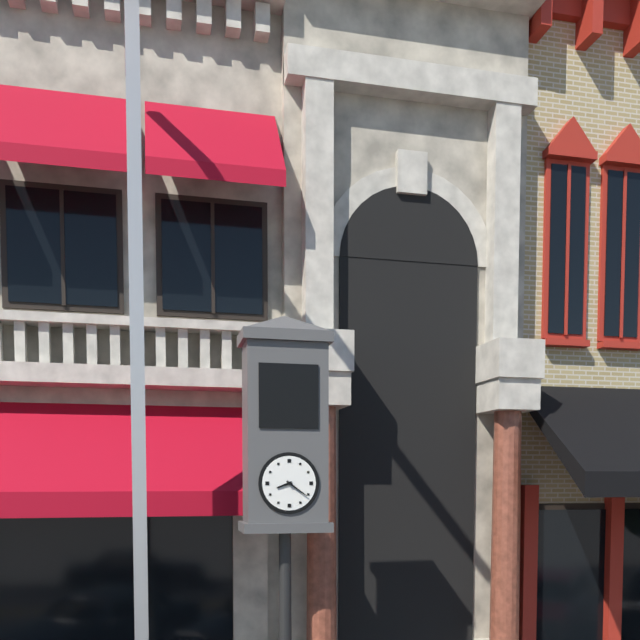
8:21
